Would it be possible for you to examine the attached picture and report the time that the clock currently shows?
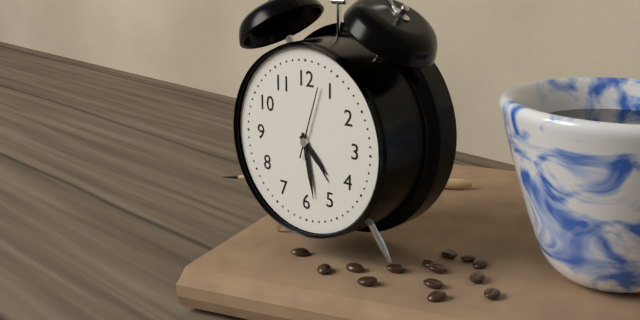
4:28:03
